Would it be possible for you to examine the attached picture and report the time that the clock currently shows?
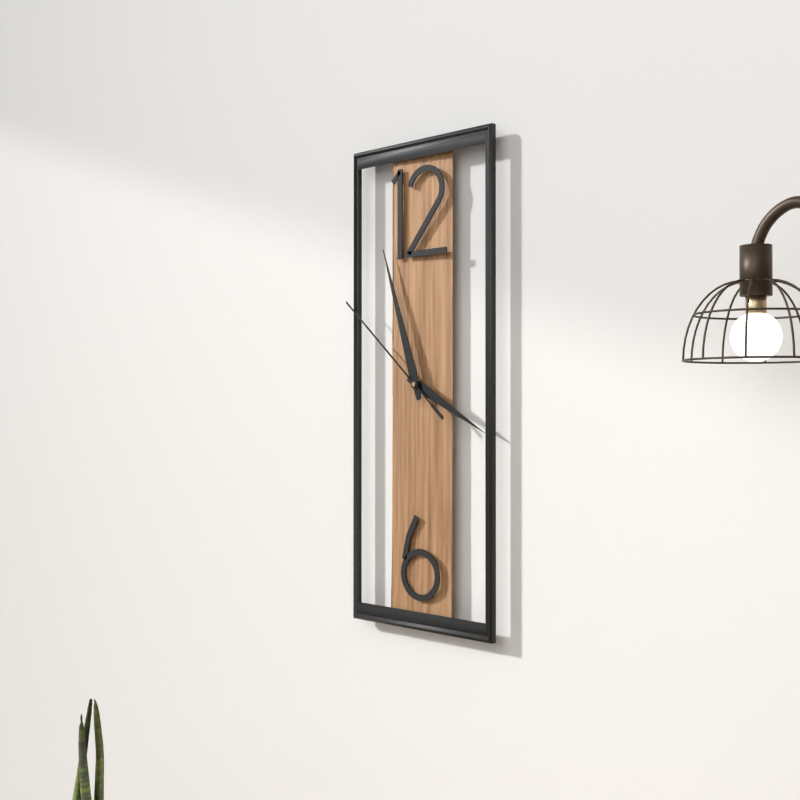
3:57:52
